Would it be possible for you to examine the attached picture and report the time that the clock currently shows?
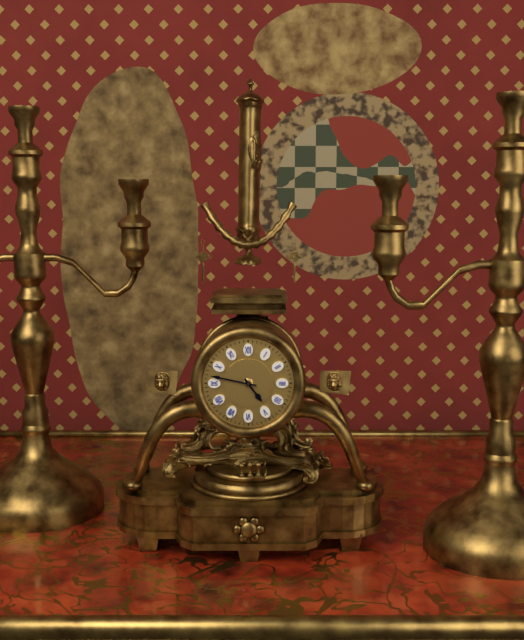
4:47
